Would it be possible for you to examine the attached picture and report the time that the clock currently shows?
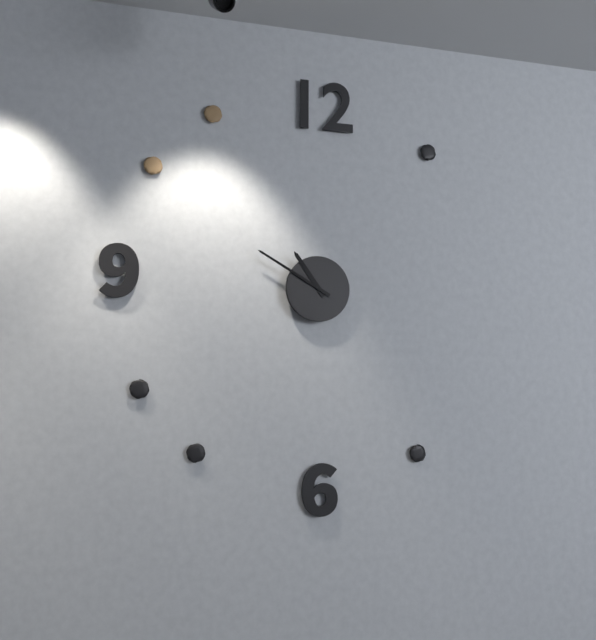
10:50
